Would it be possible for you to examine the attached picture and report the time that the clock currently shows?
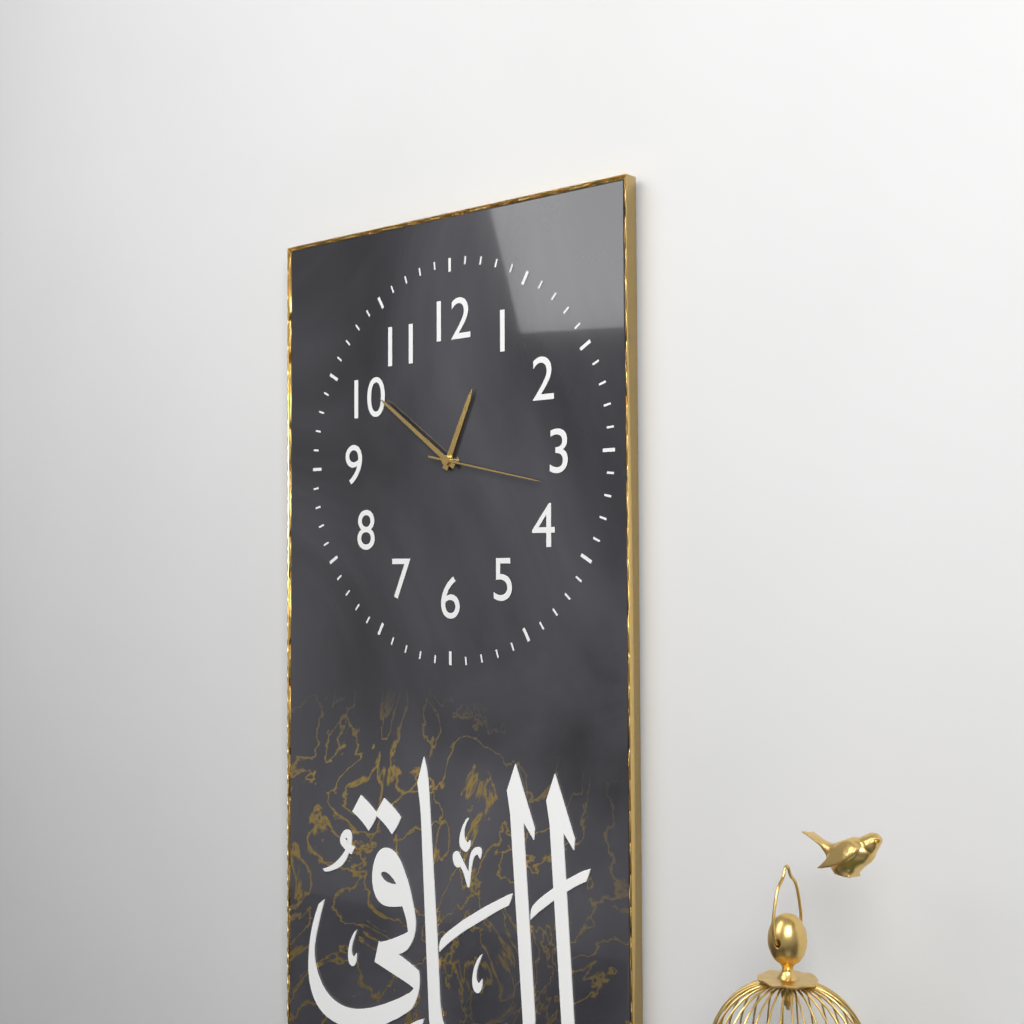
12:51:17
